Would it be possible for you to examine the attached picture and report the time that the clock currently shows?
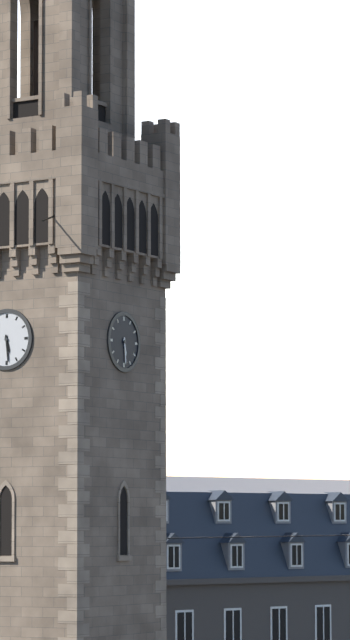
5:29
